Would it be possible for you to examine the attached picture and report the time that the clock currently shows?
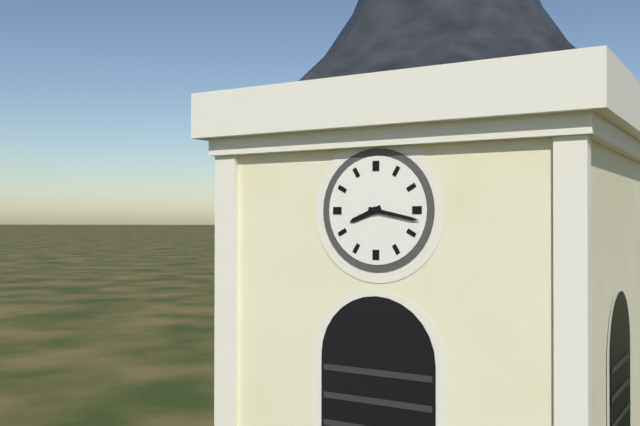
8:17
